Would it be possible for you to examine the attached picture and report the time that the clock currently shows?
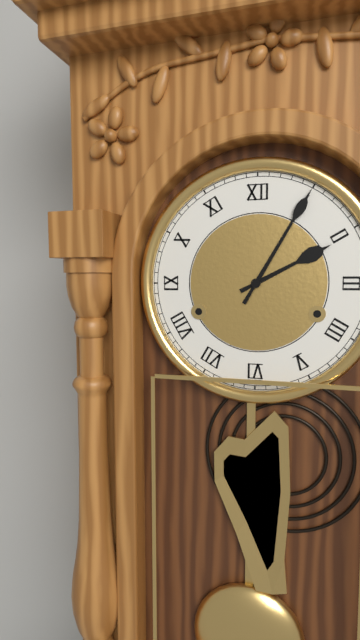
2:05
